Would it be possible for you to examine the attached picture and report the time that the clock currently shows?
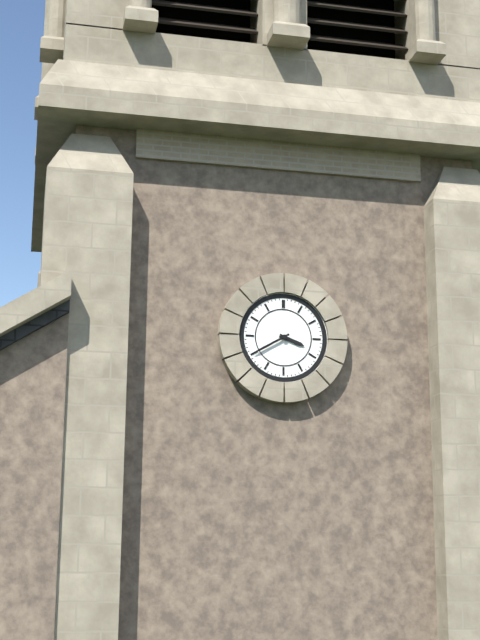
3:40
